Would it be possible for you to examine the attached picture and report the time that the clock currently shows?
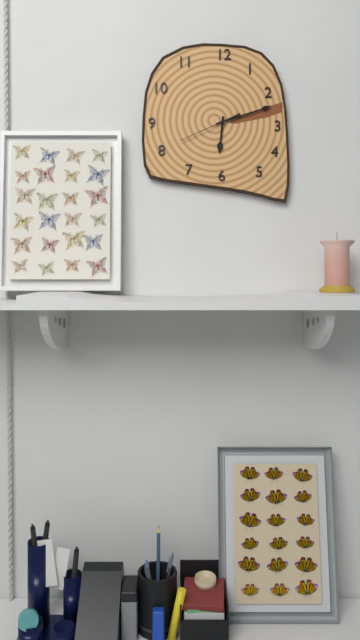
6:12:41
